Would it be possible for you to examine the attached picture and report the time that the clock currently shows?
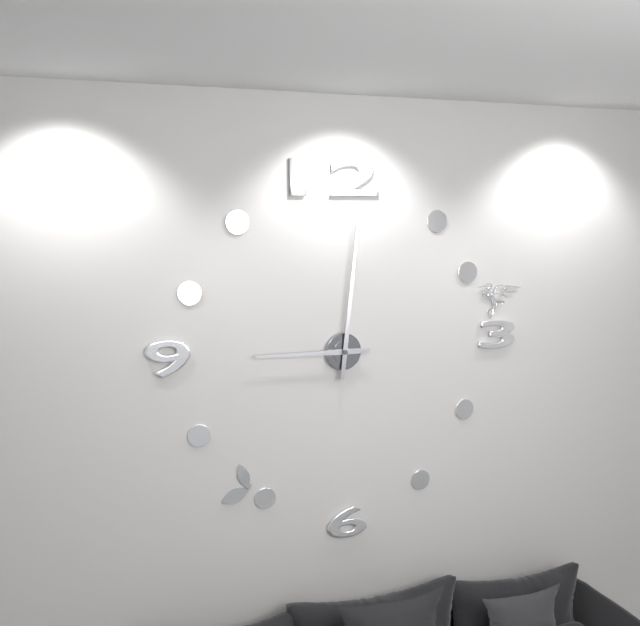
9:01
